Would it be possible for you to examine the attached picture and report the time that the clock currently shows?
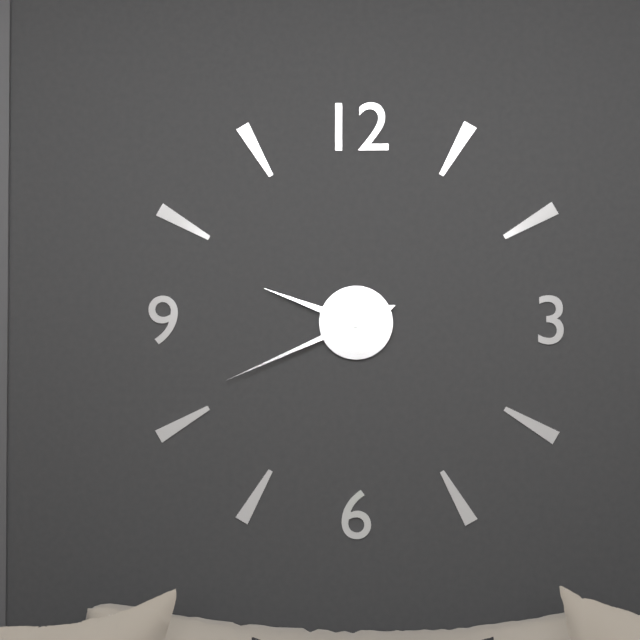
9:41
